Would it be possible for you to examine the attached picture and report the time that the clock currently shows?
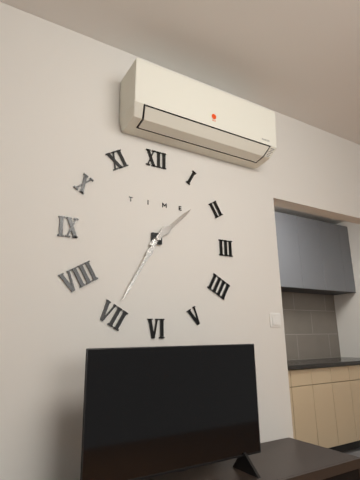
1:35
